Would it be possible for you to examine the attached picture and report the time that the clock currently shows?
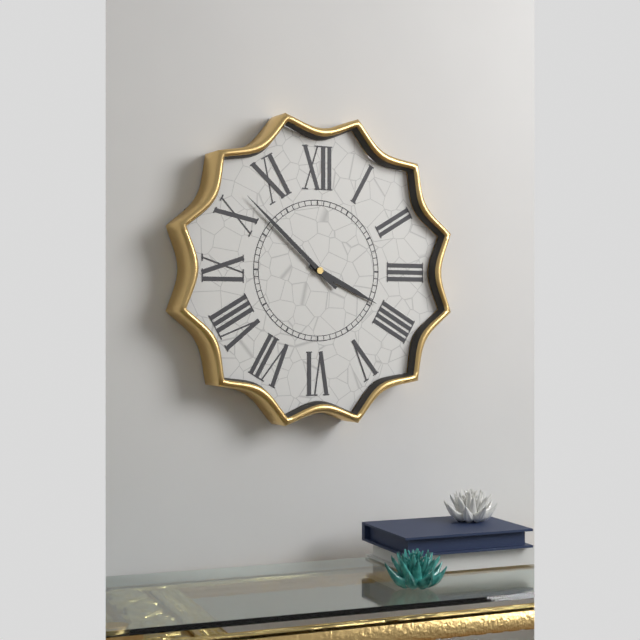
3:52
